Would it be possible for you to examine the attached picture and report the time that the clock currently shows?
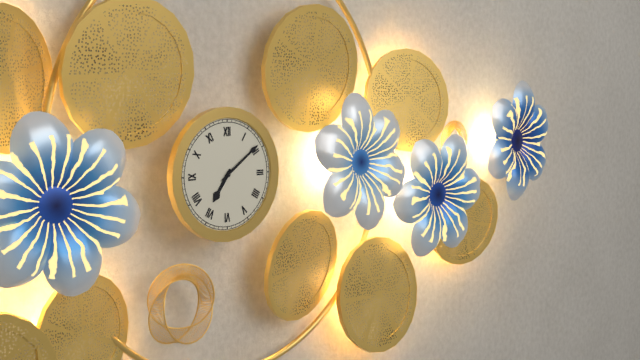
7:09
